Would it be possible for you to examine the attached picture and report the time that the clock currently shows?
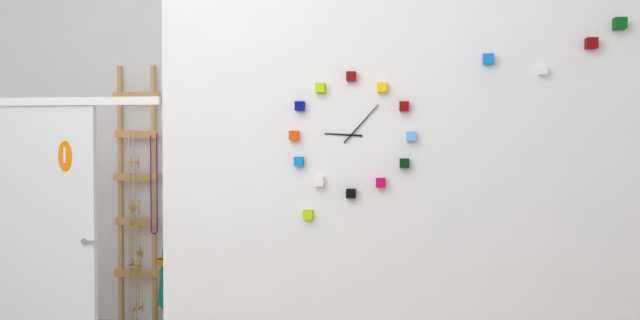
9:07
